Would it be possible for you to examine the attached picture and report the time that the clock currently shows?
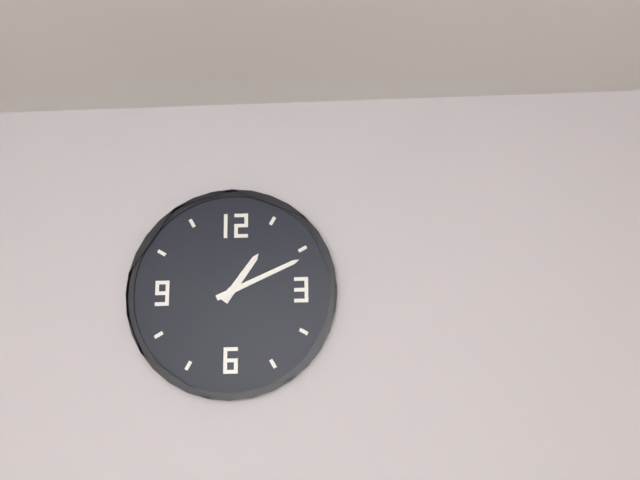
1:11
